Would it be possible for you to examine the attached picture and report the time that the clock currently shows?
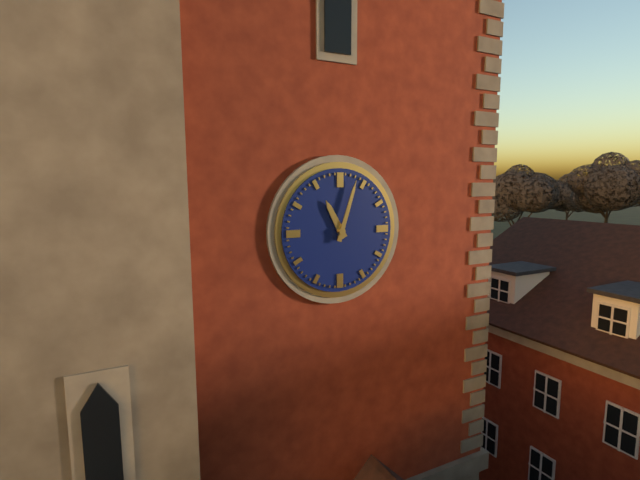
11:03
